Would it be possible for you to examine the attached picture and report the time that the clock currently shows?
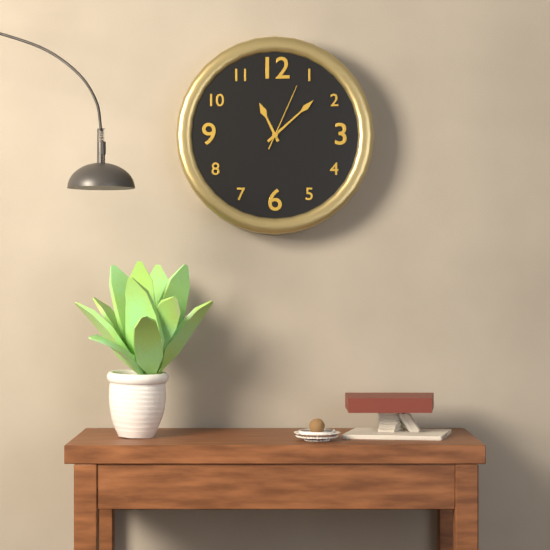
11:08:04
